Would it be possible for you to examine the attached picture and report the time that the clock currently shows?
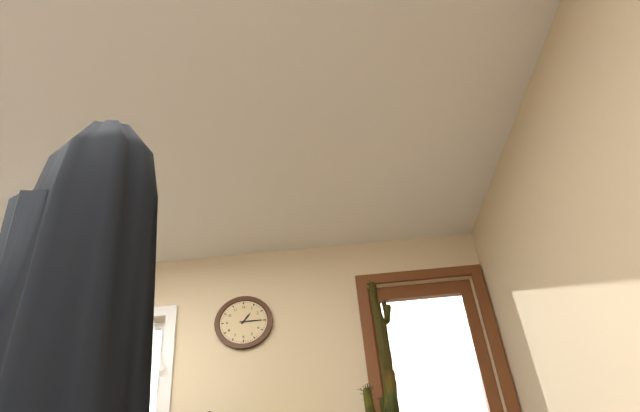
1:15
